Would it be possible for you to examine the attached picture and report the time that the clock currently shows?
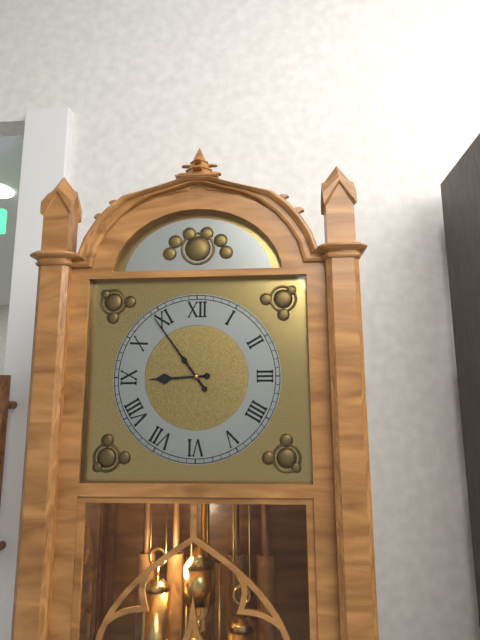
8:54
